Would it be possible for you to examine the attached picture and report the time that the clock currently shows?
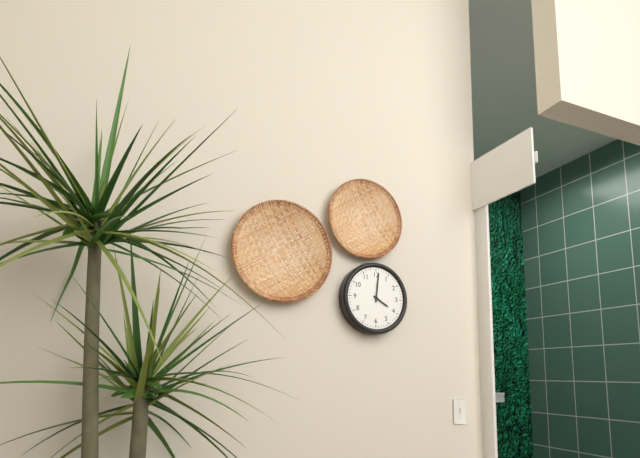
4:01
